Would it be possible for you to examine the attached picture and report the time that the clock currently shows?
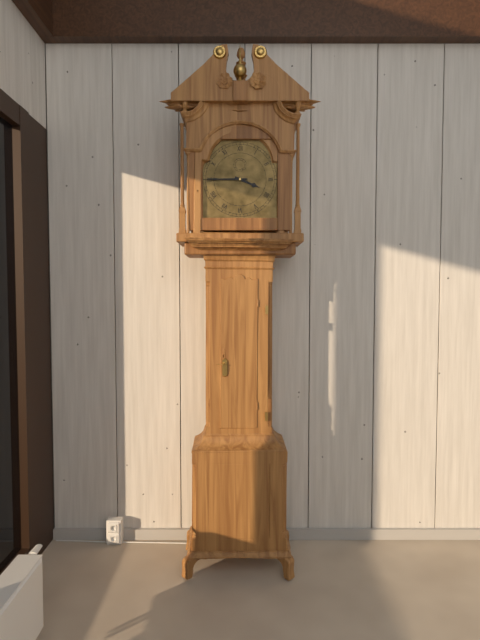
3:45
